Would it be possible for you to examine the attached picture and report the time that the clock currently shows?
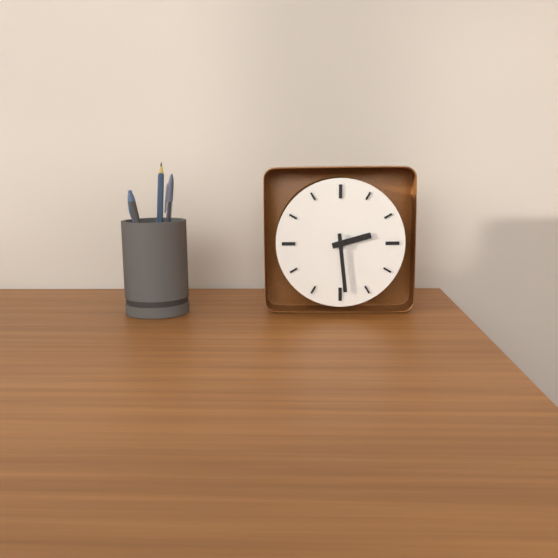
2:29
